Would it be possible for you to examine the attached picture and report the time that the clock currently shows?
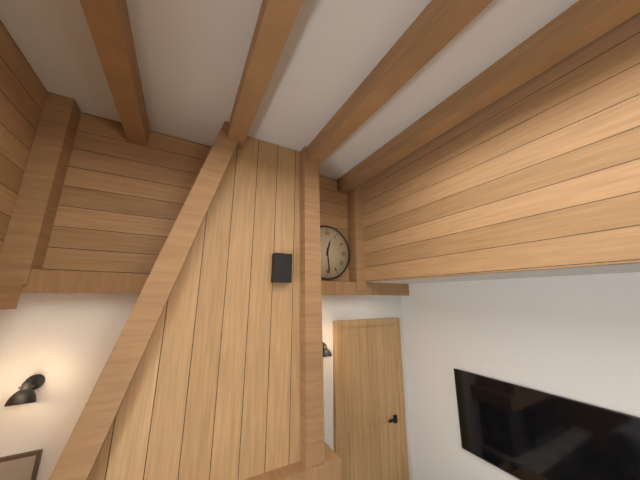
12:29
